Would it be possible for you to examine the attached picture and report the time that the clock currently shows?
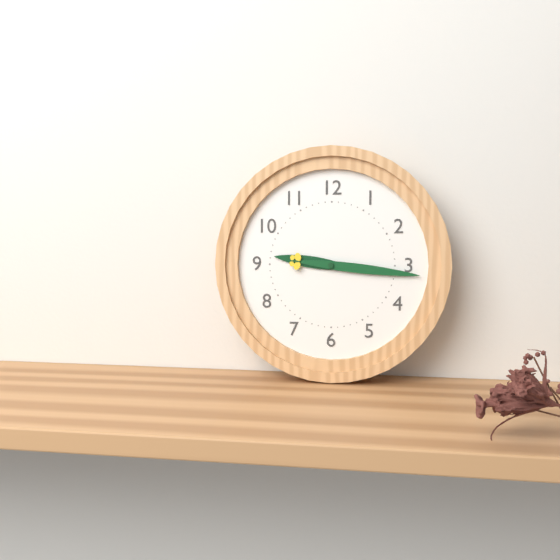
9:16
